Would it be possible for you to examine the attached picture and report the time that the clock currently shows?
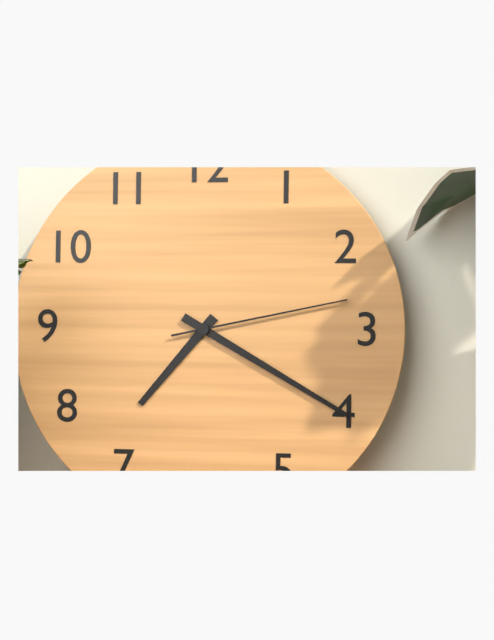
7:20:13
